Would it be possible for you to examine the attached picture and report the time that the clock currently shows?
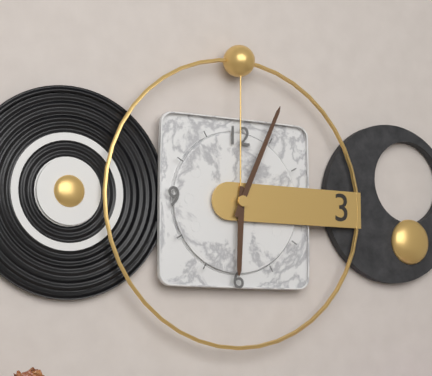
6:04
